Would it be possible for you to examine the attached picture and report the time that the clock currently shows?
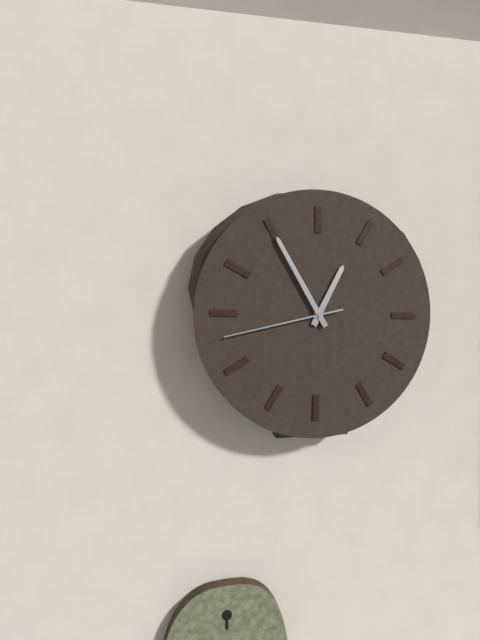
12:55:43
